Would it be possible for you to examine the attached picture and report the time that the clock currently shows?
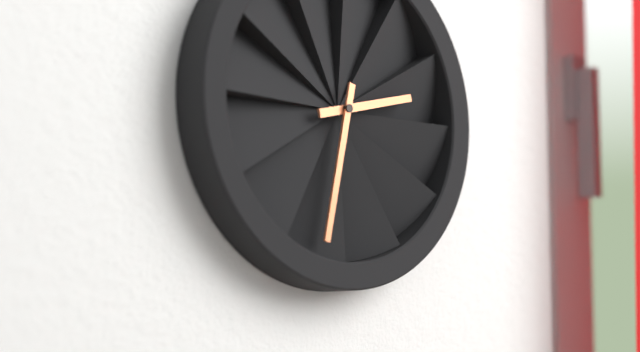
2:32
